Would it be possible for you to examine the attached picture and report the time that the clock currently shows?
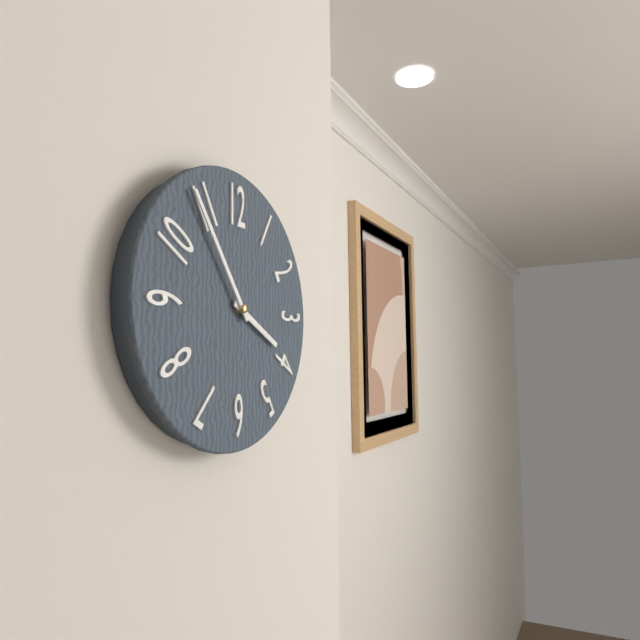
3:54
